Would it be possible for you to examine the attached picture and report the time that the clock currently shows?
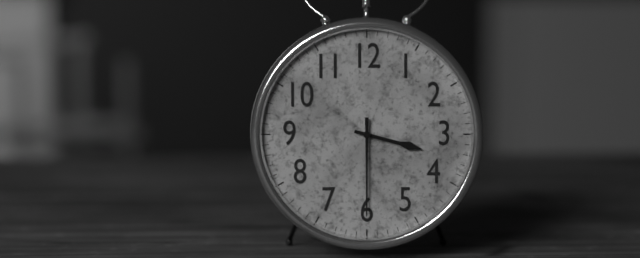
3:30
